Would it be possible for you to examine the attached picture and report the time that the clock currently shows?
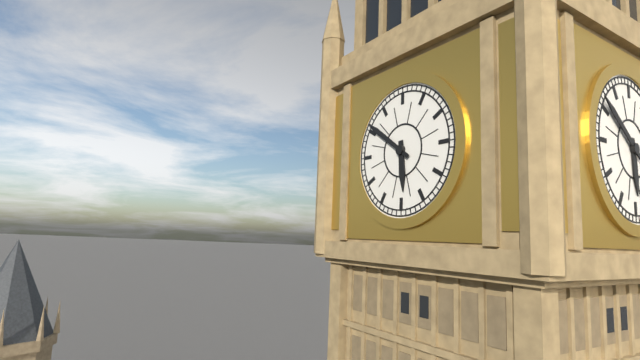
5:51
